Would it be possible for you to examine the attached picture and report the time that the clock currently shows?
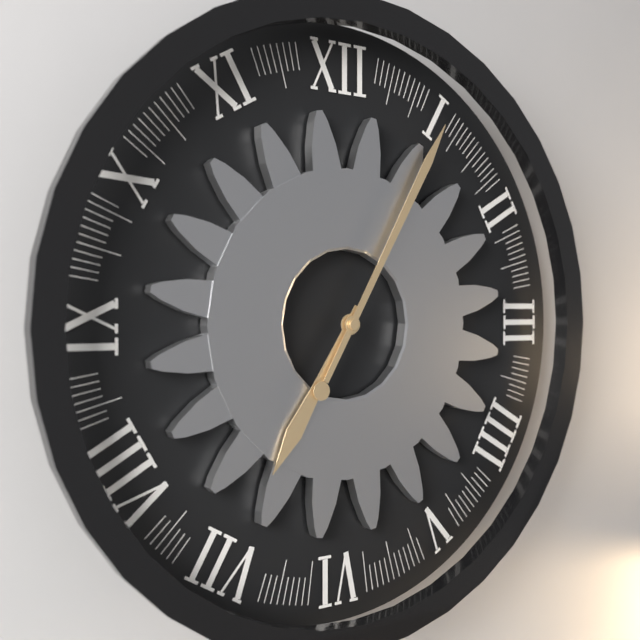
7:05
